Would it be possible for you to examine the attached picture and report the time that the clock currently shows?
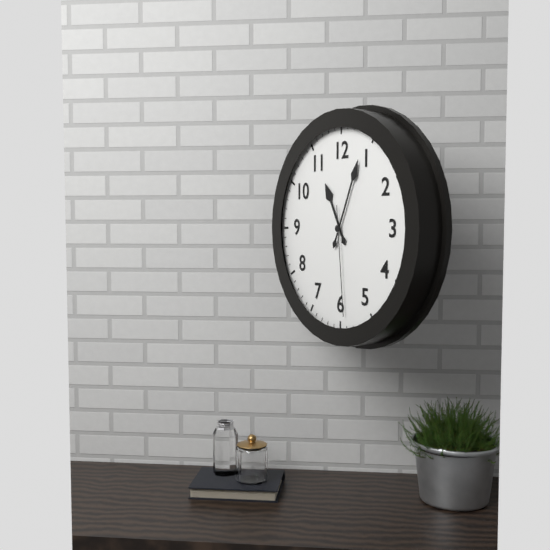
11:04:29
